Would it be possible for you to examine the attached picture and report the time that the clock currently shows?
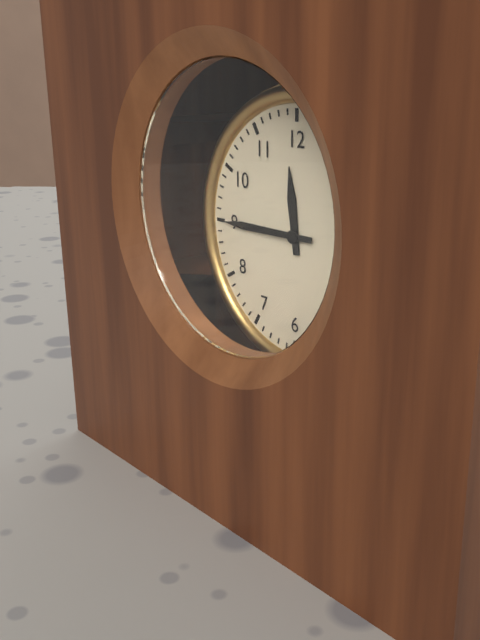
11:45
